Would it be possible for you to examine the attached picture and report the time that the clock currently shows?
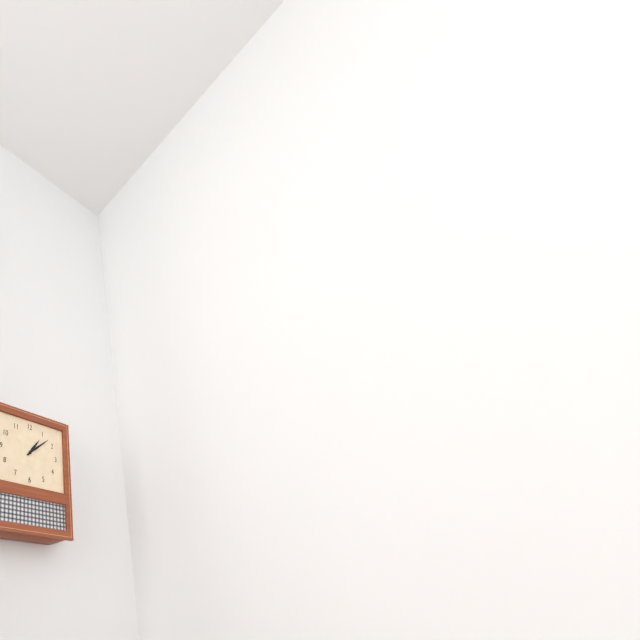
1:08
